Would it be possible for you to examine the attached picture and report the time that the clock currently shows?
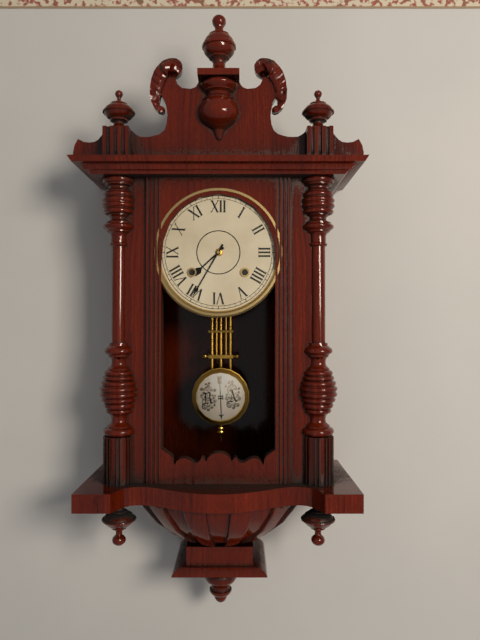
7:35
